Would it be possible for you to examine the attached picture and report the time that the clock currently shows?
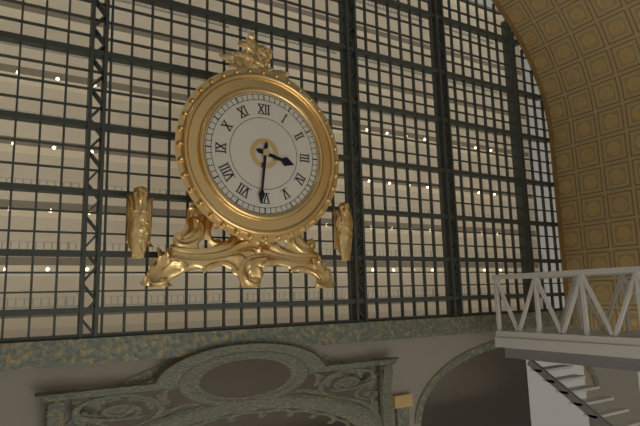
3:31
